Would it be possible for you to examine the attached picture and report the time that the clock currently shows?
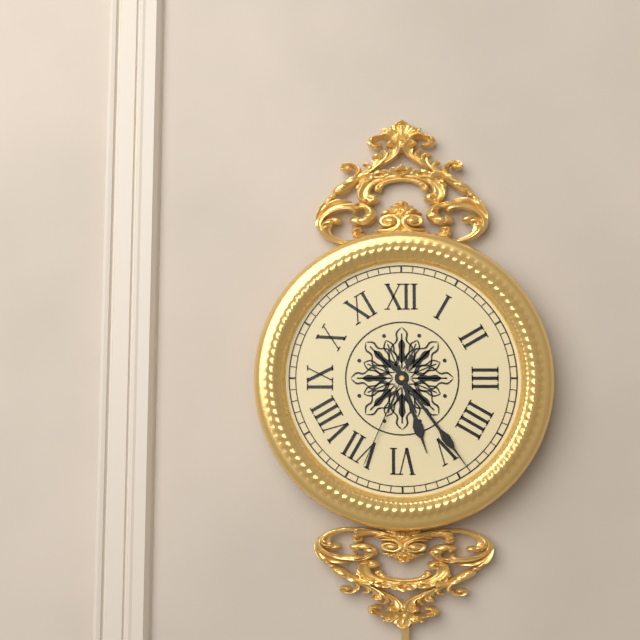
5:24:34
